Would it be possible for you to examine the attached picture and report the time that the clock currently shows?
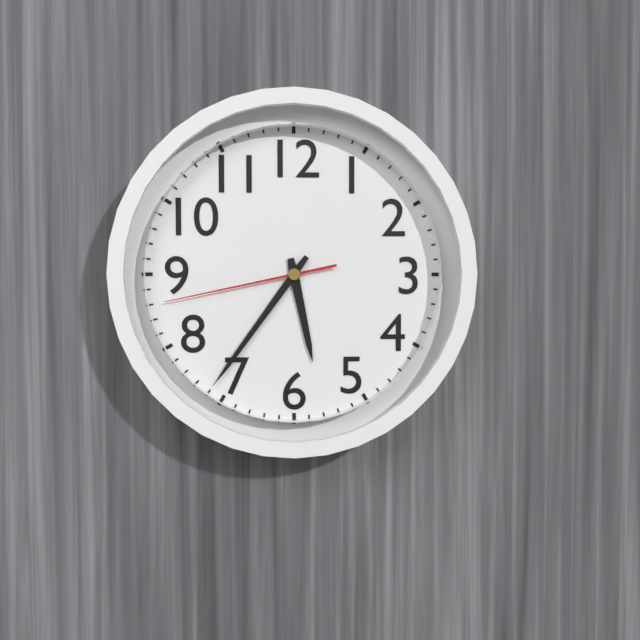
5:36:43
